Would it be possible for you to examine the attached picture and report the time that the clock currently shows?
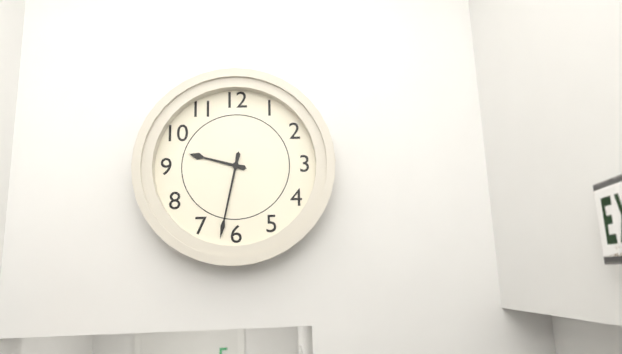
9:32
